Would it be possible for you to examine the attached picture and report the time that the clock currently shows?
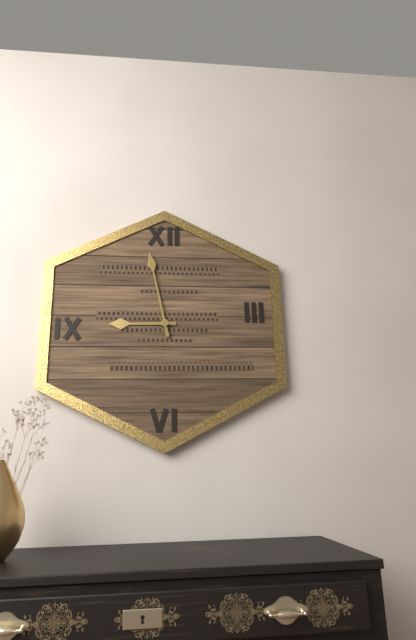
8:58
